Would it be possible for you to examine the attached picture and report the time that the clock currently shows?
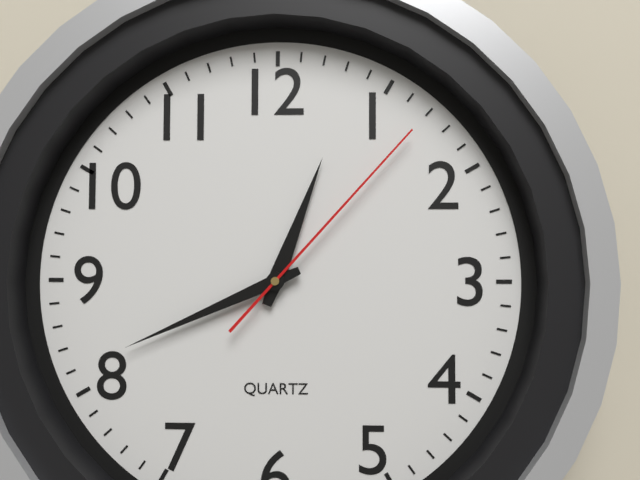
12:41:07
